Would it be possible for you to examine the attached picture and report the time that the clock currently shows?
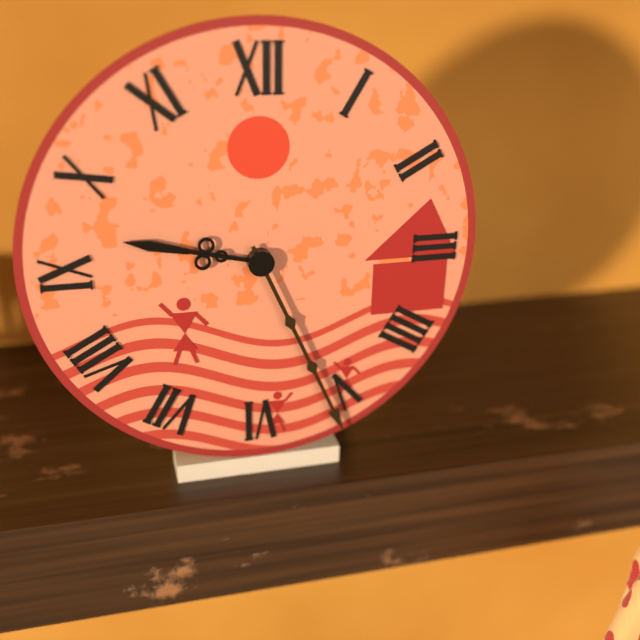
9:26
